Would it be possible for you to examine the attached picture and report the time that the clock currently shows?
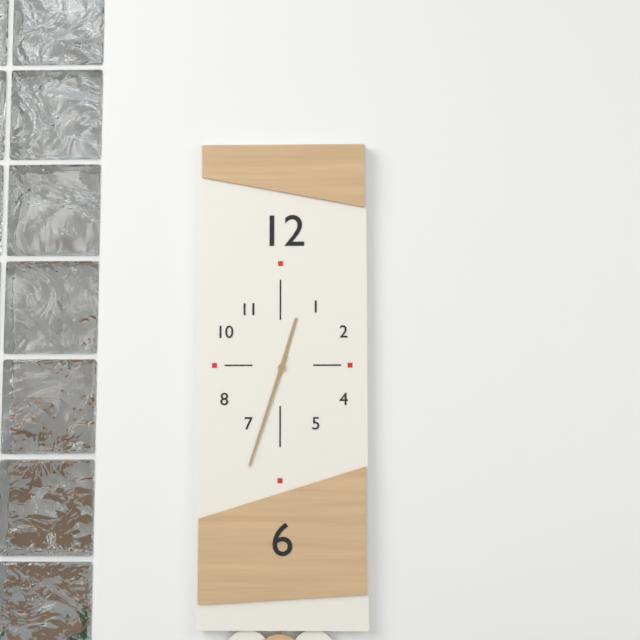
12:33
